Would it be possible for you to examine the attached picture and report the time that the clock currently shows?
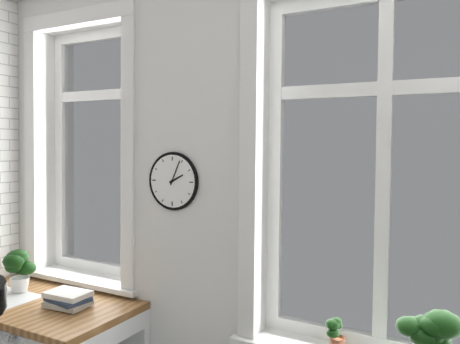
2:04
